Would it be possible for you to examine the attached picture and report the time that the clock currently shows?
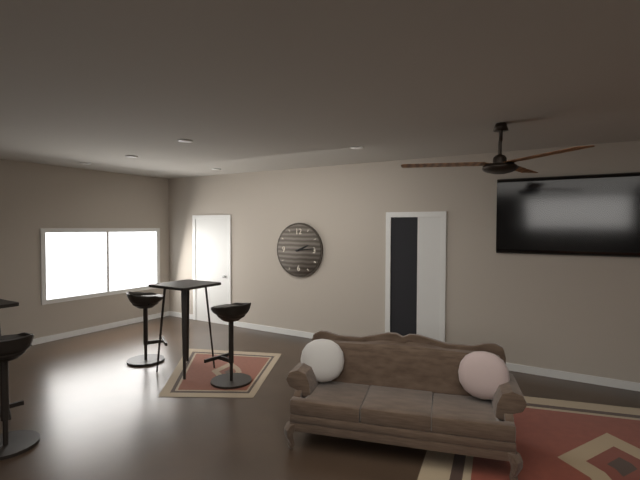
2:14
